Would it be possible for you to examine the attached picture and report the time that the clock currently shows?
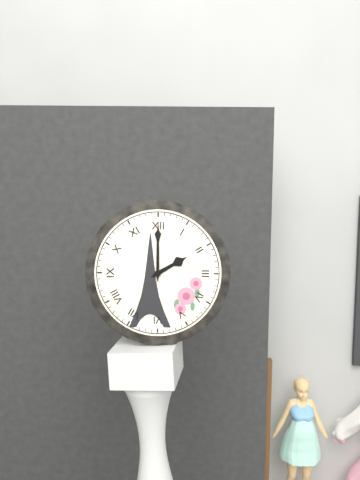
2:00
